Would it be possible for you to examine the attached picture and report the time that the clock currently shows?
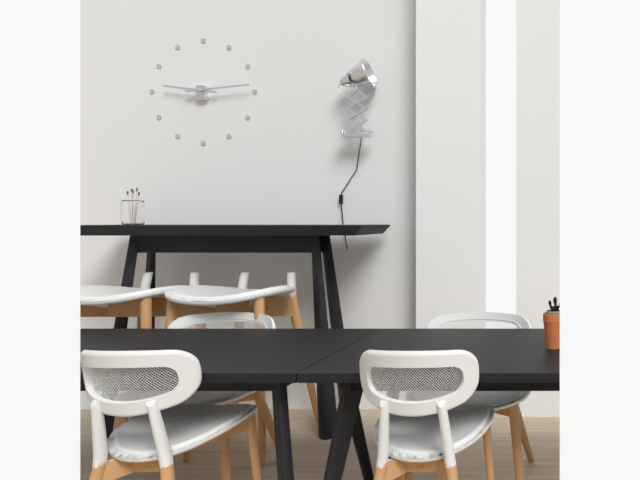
9:14
